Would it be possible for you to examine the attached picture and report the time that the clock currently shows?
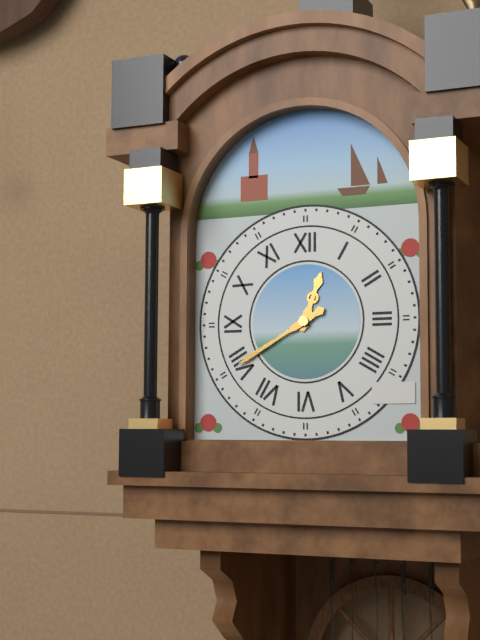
12:40
